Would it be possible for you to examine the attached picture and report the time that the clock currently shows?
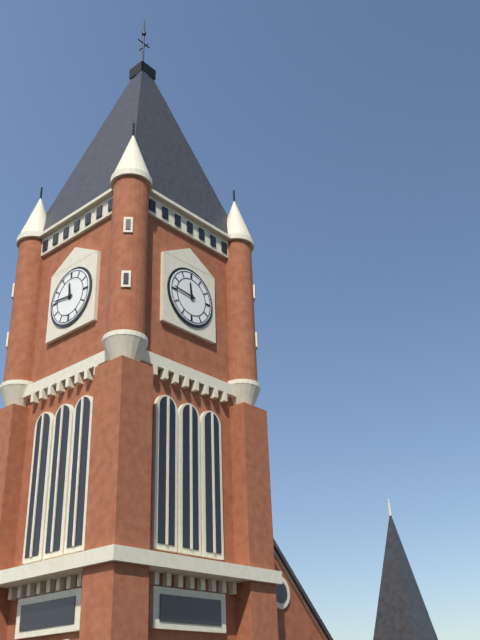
11:46
